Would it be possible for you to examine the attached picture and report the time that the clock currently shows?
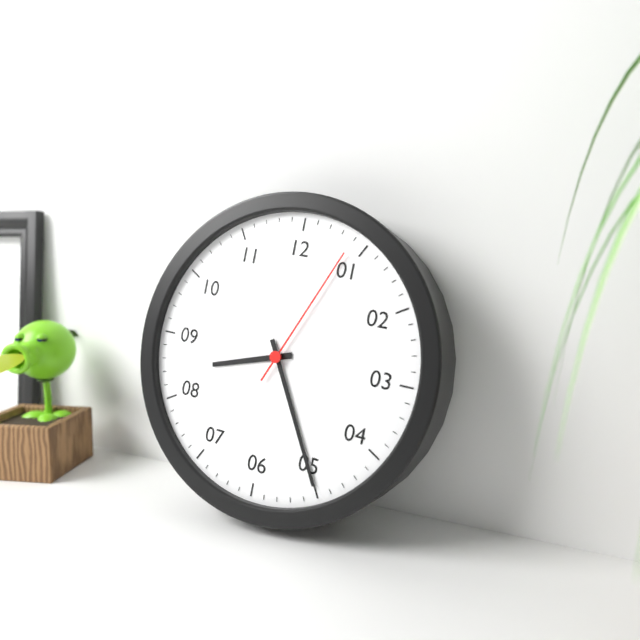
8:25:04
